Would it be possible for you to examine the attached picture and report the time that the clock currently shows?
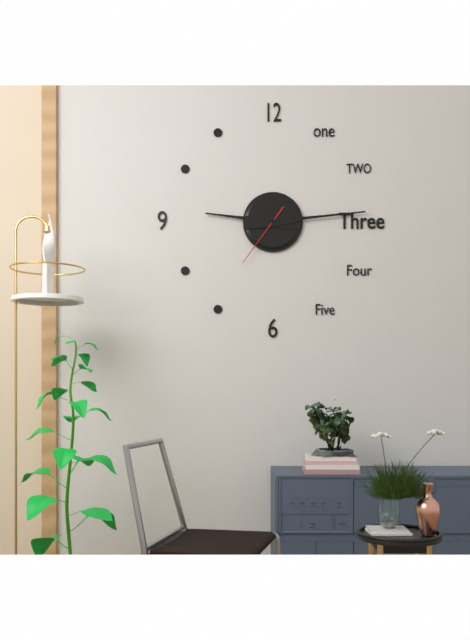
9:14:36
